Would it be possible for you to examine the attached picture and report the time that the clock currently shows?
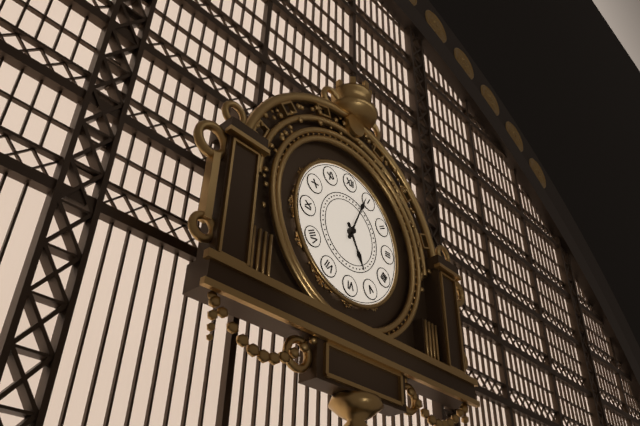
5:04
